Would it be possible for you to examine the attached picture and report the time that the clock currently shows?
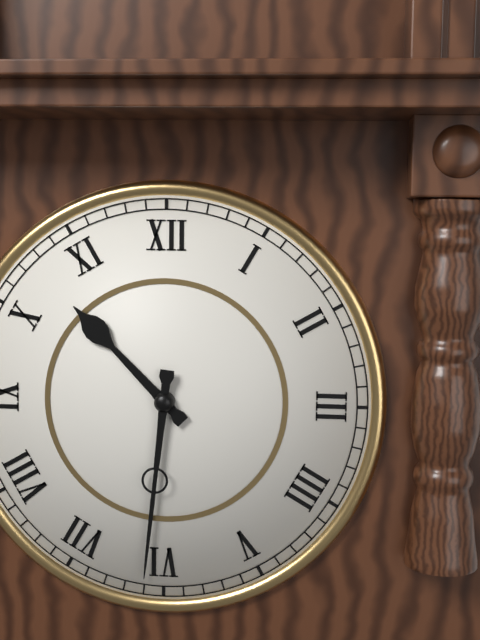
10:31
